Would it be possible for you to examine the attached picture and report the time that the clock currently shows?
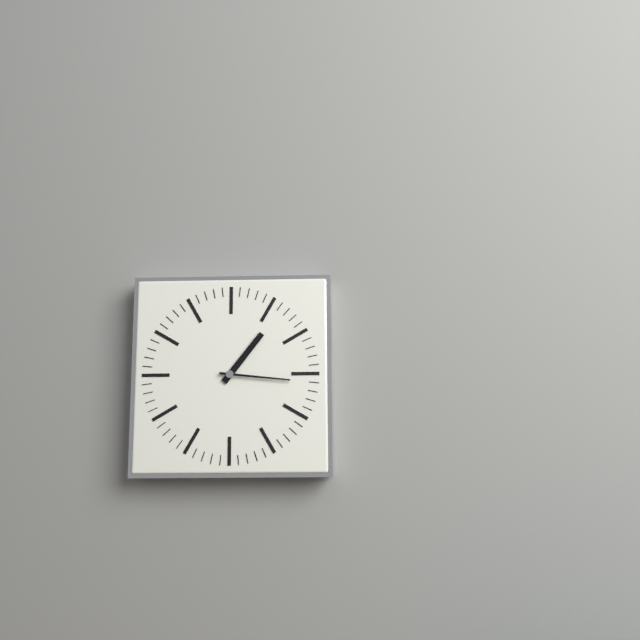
1:16
